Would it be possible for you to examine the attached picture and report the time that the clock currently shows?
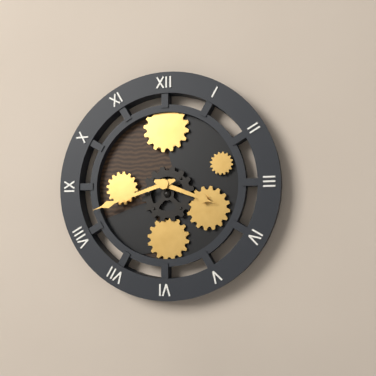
3:42
